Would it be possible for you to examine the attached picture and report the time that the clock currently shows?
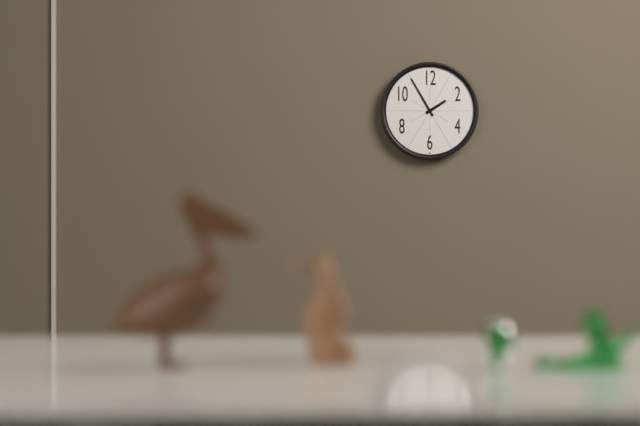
1:55
